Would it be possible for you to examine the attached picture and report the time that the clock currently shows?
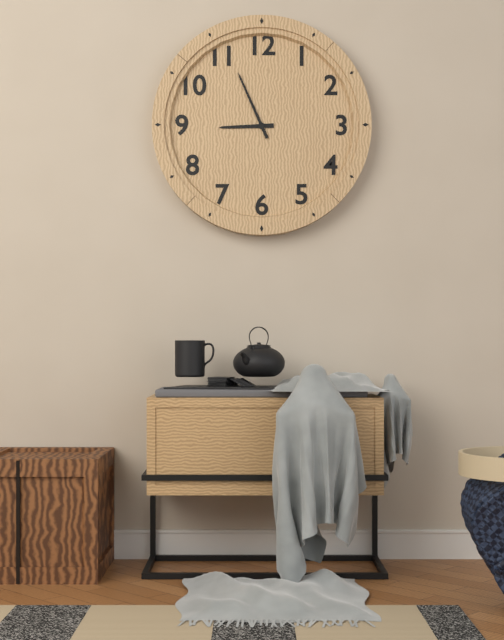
8:56
